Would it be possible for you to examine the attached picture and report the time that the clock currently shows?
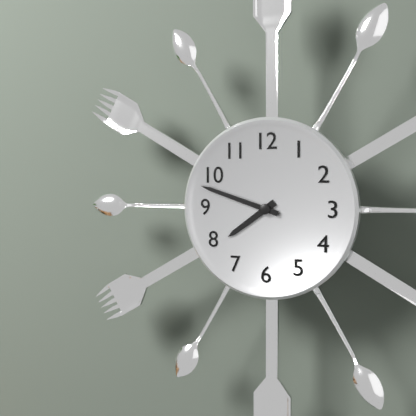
7:48
